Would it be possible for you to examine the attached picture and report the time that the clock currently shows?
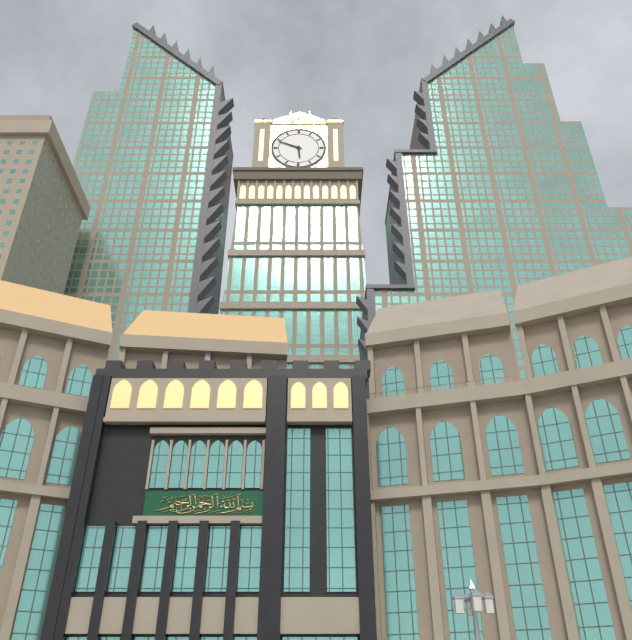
5:49
